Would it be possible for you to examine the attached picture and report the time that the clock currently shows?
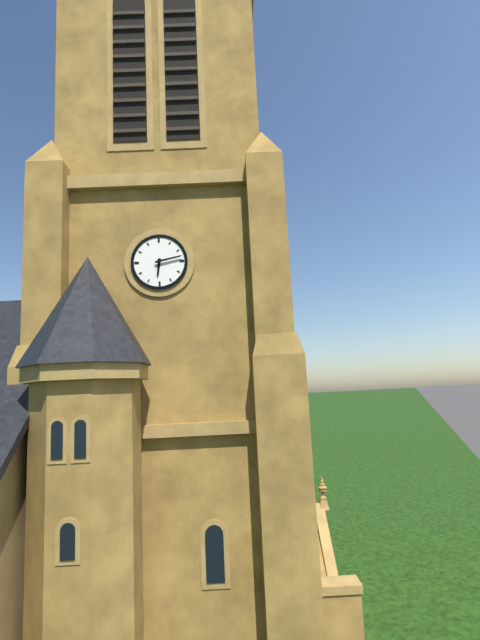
6:13
